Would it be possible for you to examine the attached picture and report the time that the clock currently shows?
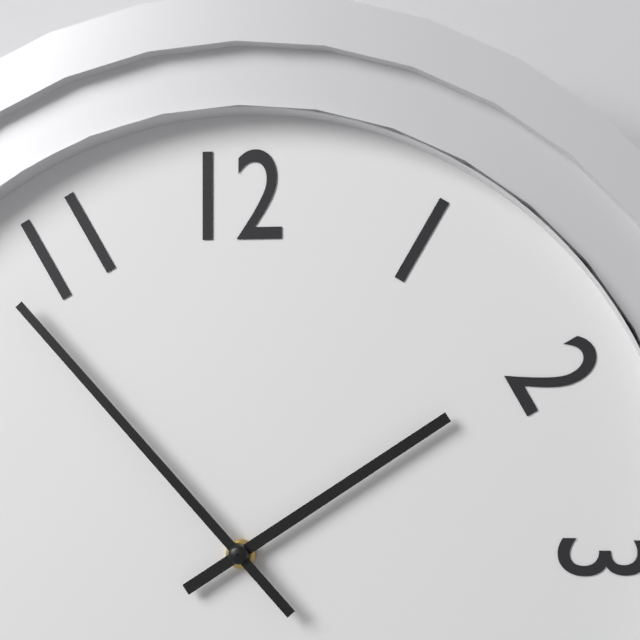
1:53
